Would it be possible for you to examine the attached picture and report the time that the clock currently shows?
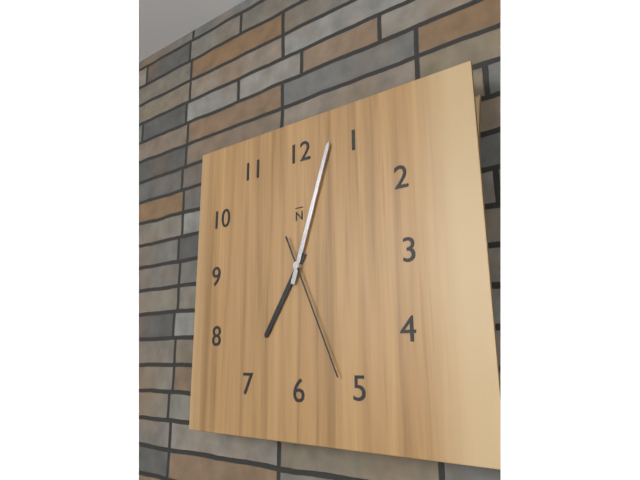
7:03:26
